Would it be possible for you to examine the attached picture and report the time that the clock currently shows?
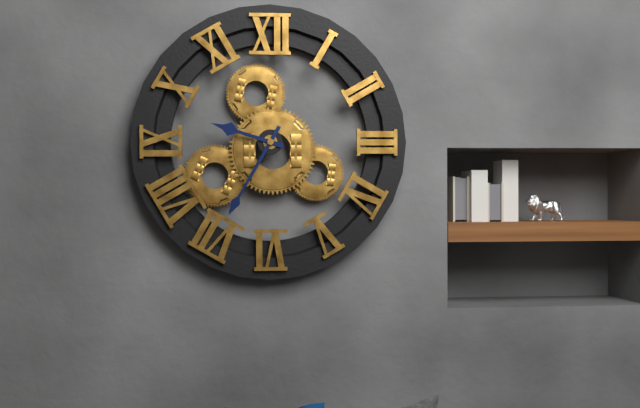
9:35
